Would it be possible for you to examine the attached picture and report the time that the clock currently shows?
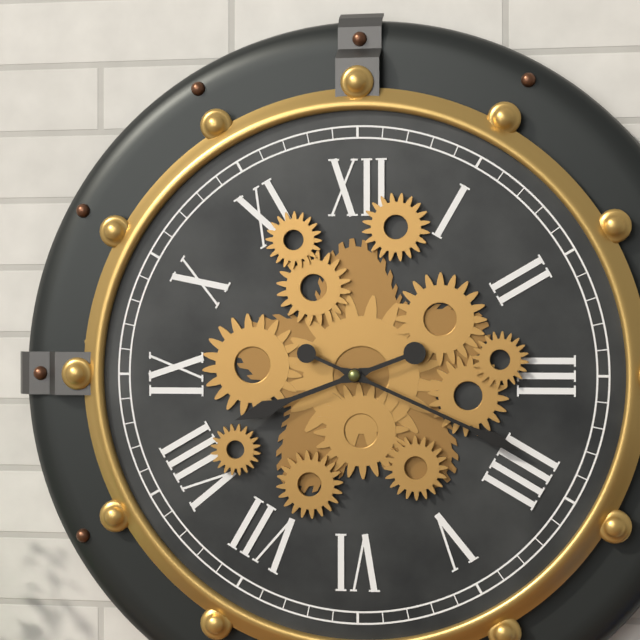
8:19
